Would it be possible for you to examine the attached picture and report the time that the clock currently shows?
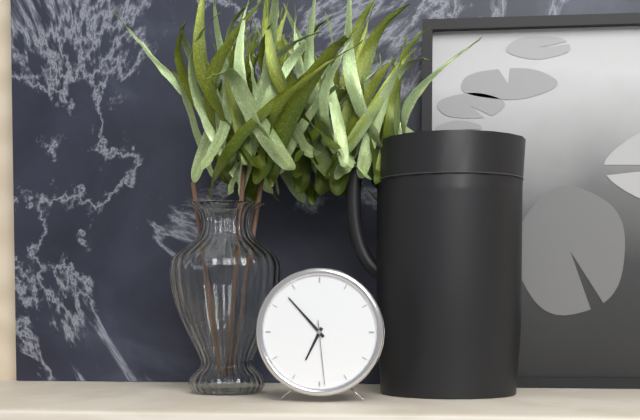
6:53:29
